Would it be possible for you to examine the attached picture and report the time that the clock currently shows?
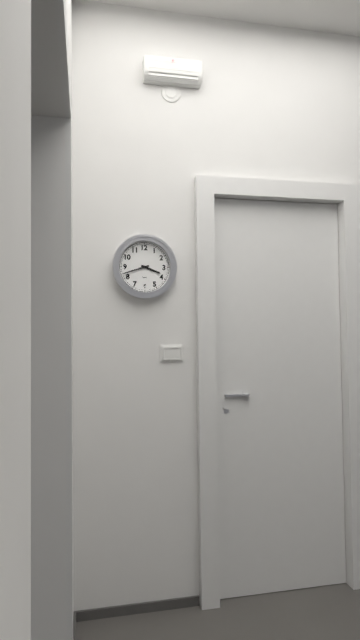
3:42
